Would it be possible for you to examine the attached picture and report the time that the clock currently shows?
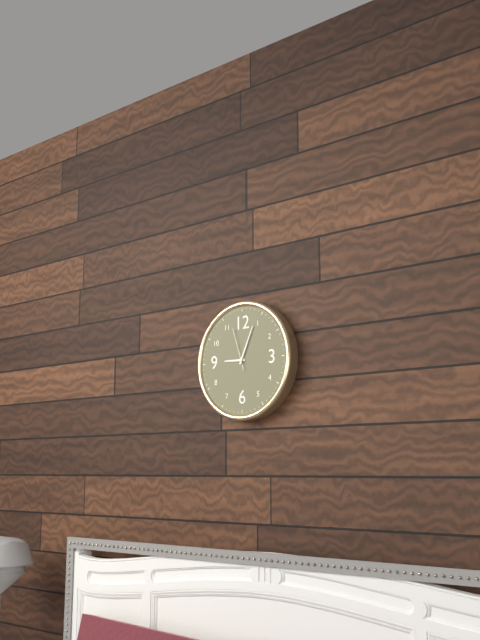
9:04
